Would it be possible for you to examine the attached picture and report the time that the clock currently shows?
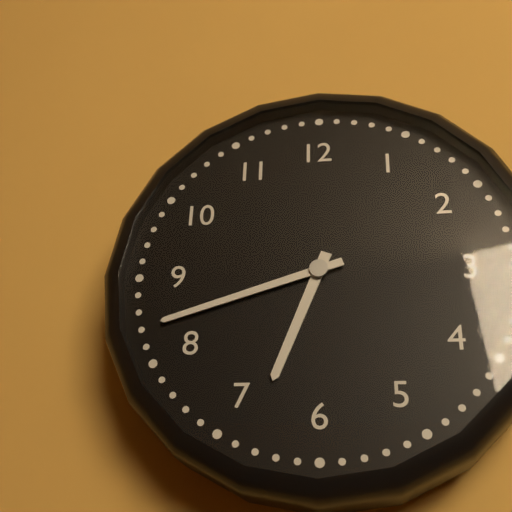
6:42
